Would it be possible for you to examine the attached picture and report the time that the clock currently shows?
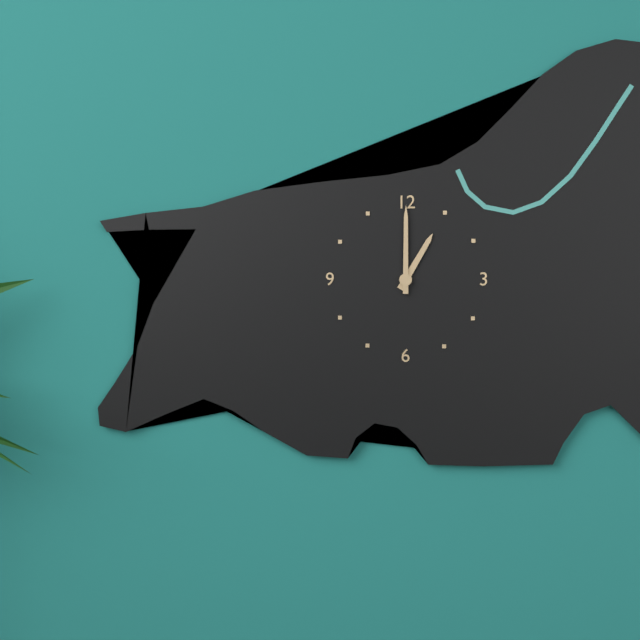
1:00
